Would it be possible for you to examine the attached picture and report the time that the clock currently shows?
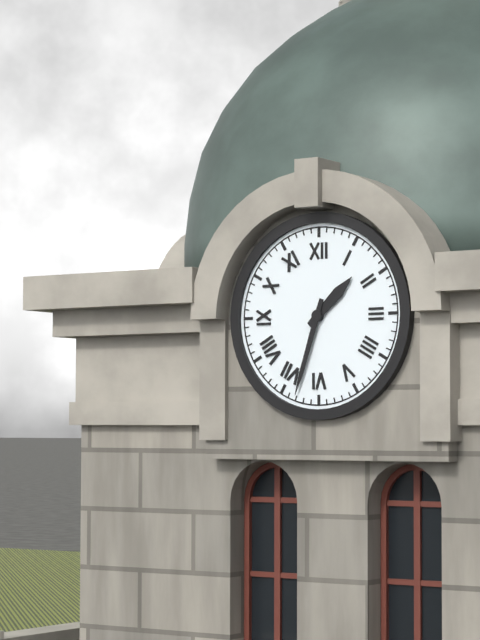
1:33
